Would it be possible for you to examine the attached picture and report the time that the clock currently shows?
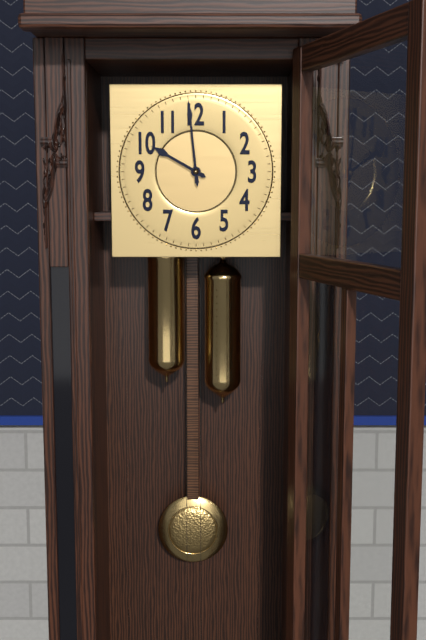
9:59
